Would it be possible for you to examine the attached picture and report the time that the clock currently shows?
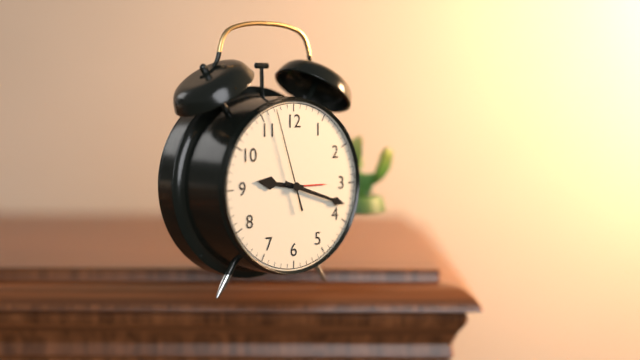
9:18:57
